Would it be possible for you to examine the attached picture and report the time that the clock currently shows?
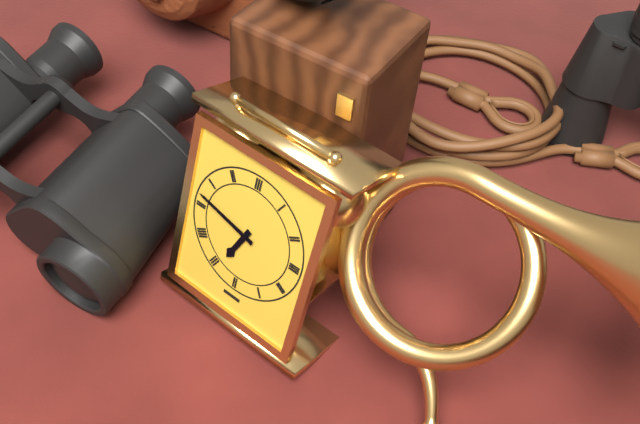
6:47
